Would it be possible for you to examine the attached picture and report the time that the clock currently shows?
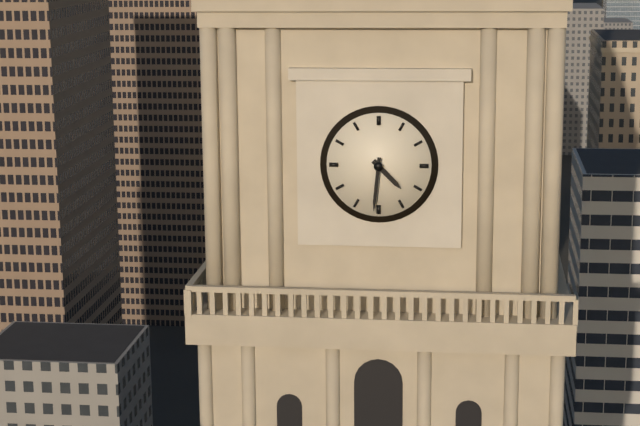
4:31
